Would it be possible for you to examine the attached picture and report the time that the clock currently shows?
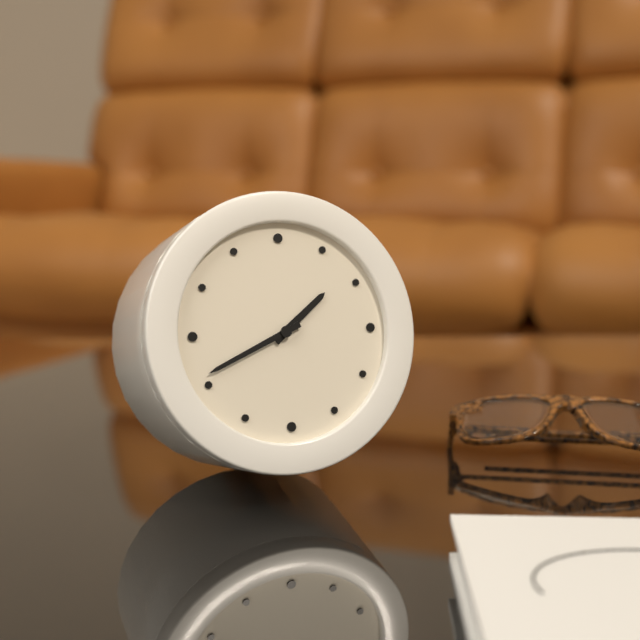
1:41
